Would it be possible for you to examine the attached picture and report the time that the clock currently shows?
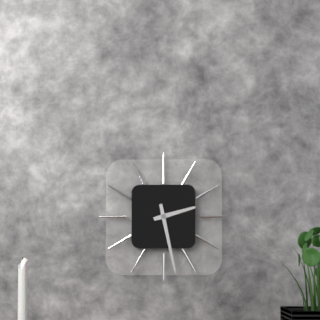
2:28
